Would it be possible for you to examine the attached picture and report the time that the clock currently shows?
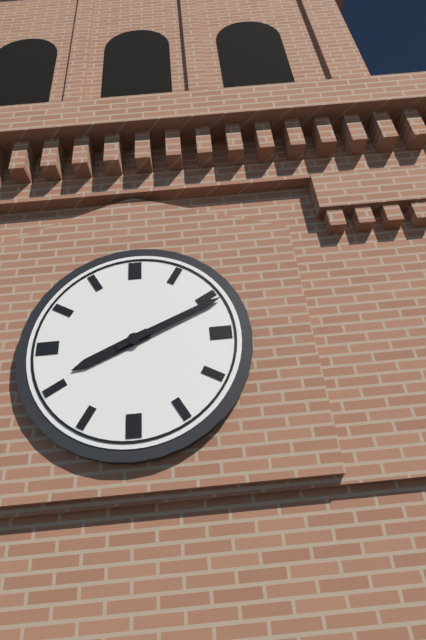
8:11
